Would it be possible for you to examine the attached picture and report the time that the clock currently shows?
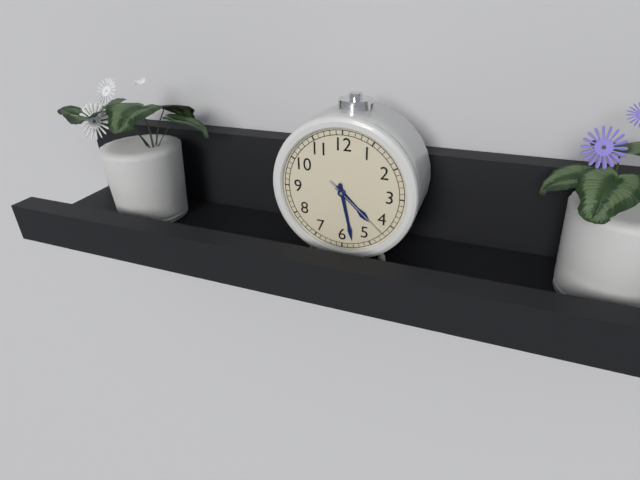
4:28:22
